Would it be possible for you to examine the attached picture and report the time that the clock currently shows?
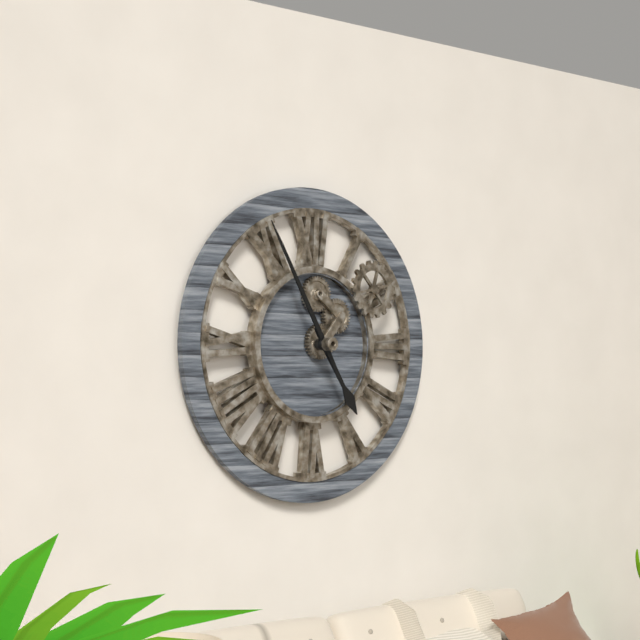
4:55
